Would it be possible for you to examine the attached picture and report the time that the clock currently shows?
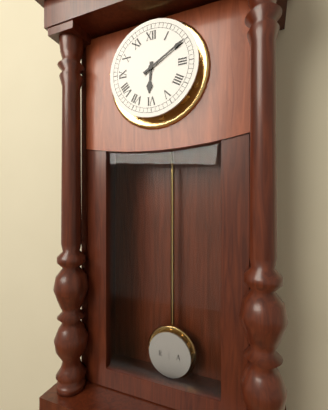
6:10
